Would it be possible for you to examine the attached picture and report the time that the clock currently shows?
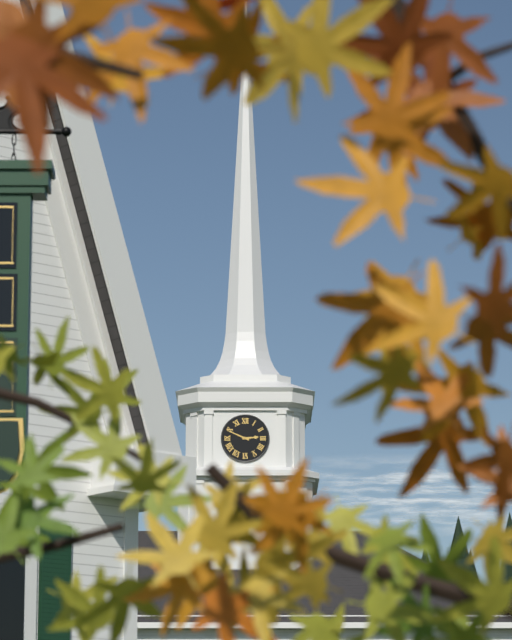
2:49
